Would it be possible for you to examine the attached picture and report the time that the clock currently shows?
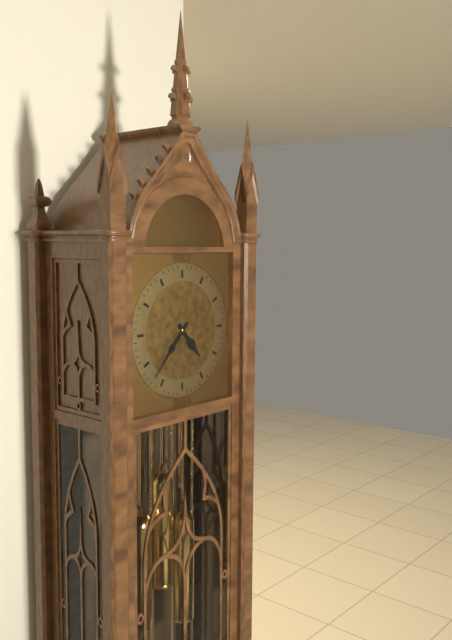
4:37
